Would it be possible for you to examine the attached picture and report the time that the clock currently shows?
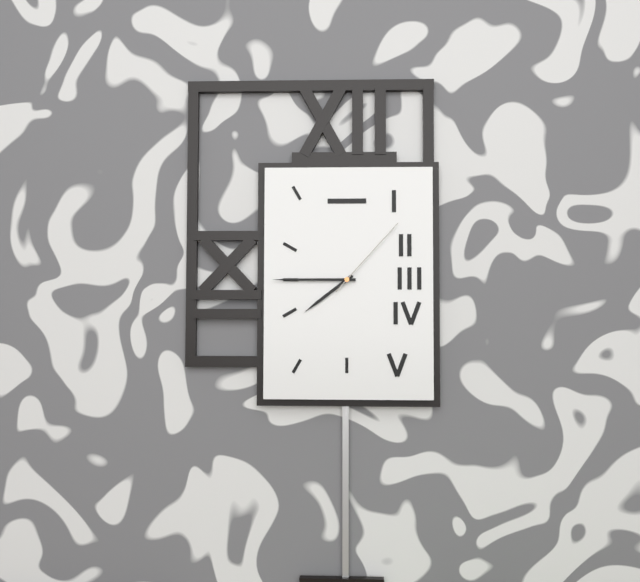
7:45:07
